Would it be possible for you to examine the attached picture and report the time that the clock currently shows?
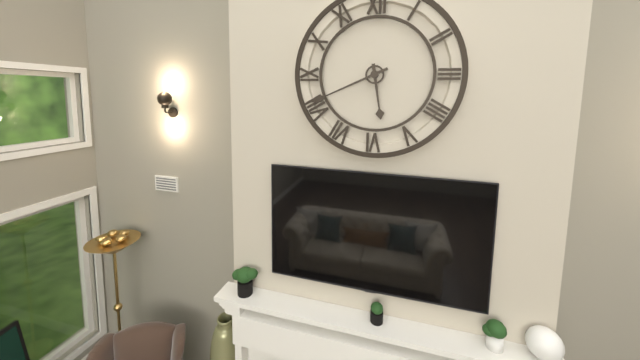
5:41
